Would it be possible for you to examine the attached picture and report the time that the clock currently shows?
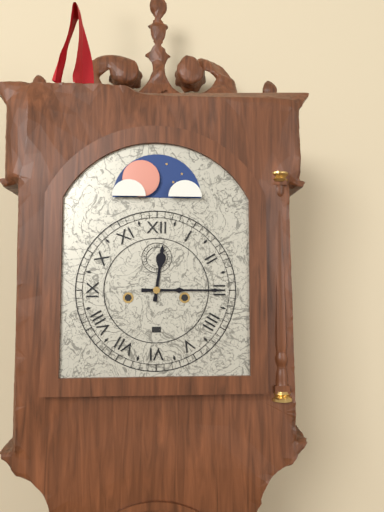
12:15
